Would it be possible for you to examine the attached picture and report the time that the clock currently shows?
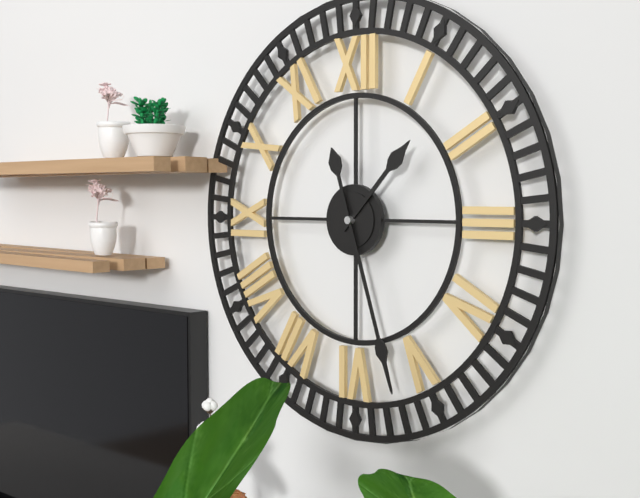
1:27
